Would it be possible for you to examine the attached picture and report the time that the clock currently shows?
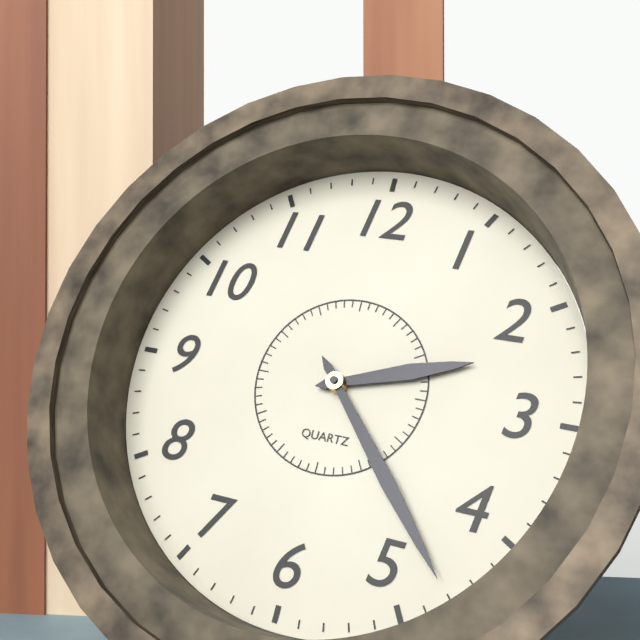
2:23
